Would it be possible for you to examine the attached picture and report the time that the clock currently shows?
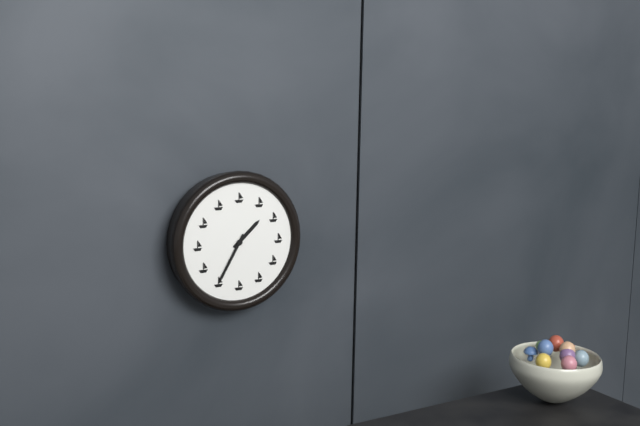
1:35
